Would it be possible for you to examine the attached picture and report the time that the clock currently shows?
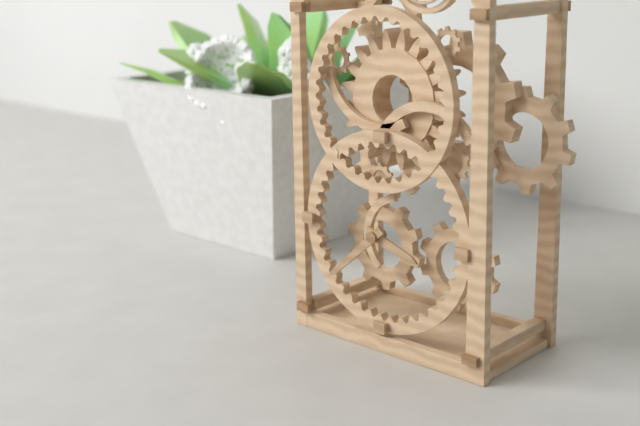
3:38
